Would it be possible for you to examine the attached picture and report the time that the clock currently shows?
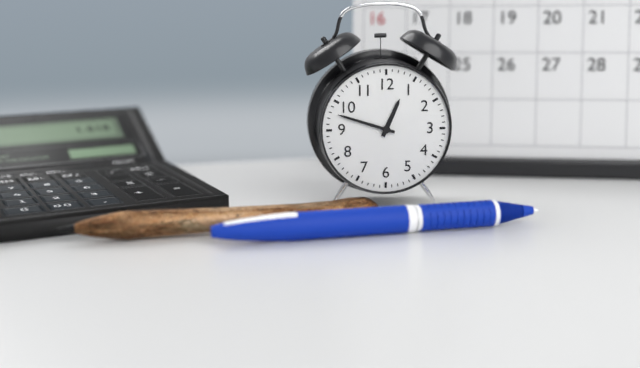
12:48
